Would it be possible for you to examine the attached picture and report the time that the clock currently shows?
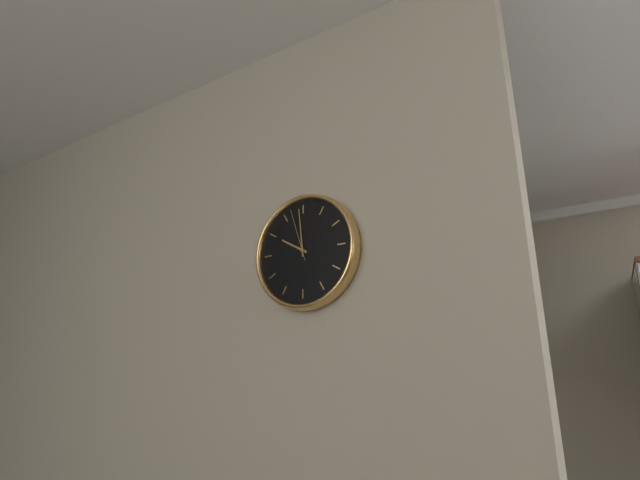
9:59:57
